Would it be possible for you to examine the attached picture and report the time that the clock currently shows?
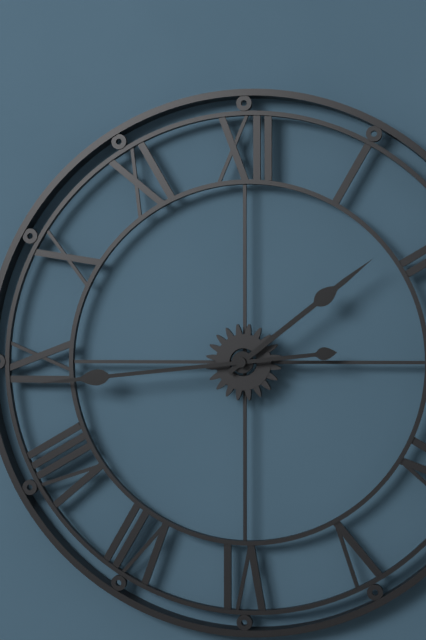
1:44
